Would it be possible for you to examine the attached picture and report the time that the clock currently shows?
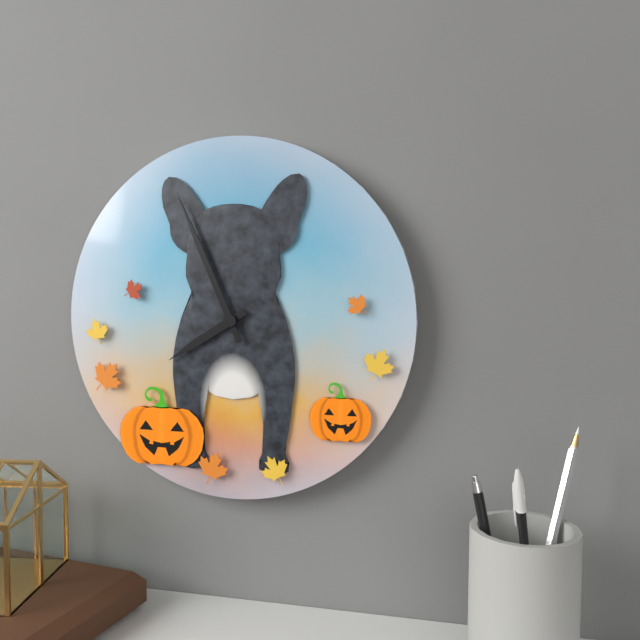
7:56
